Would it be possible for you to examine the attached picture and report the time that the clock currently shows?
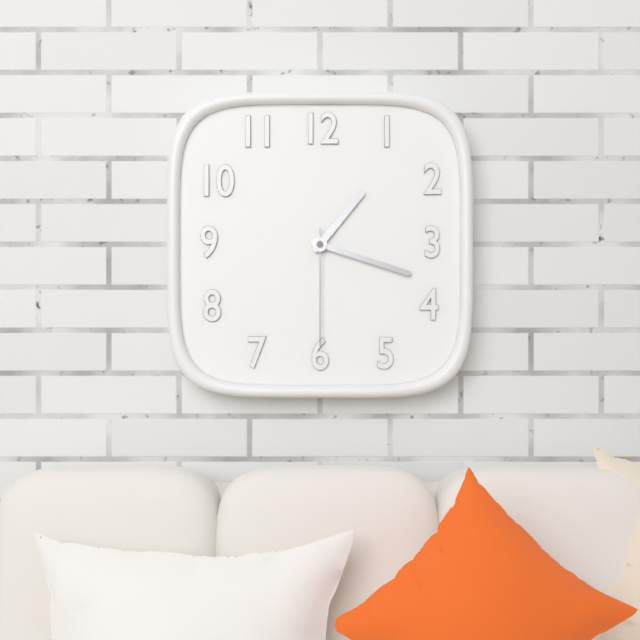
1:18:30
